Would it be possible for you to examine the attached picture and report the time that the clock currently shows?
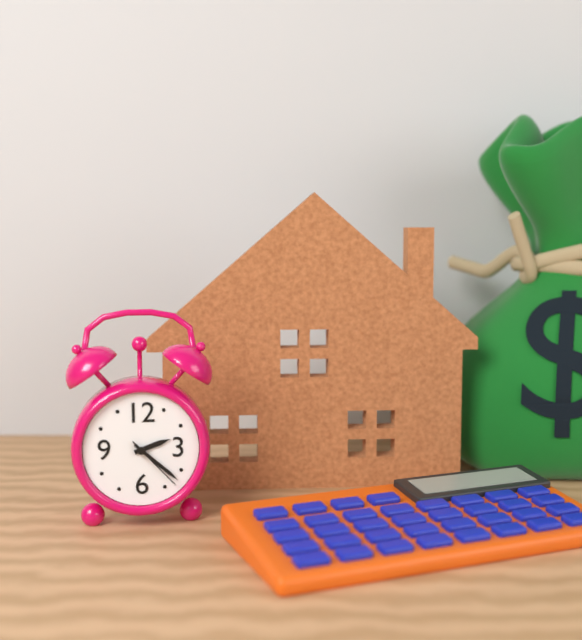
2:22:23
